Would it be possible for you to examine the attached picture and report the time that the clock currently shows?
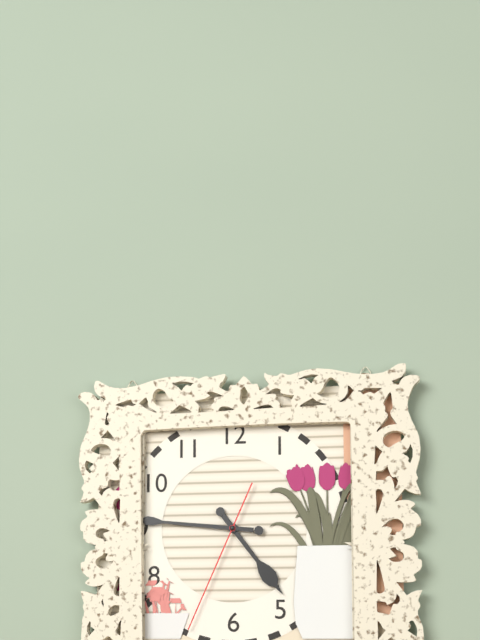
4:46:34
